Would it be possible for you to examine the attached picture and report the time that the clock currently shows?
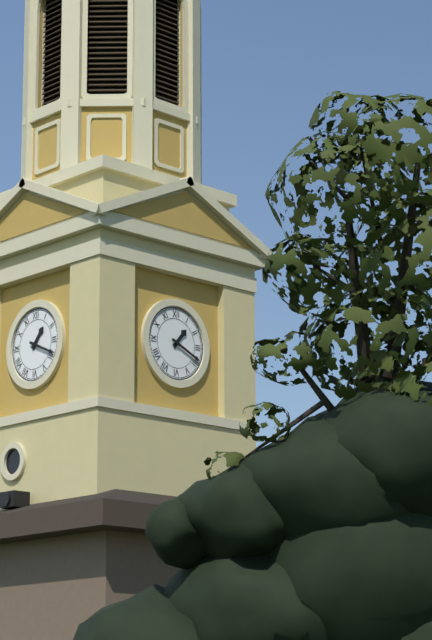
1:19
